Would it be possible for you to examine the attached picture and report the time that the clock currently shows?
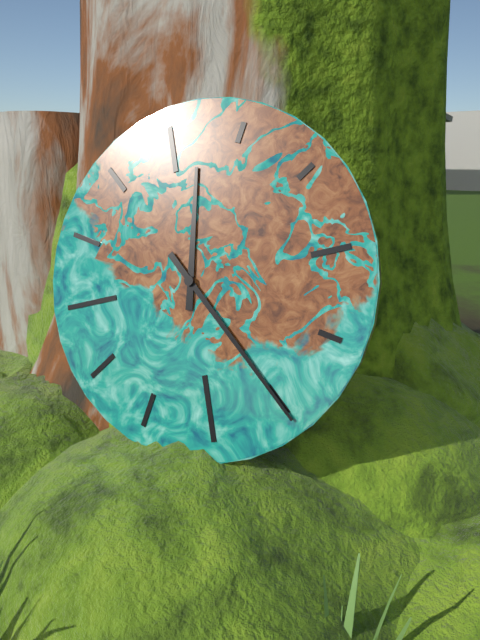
12:25
